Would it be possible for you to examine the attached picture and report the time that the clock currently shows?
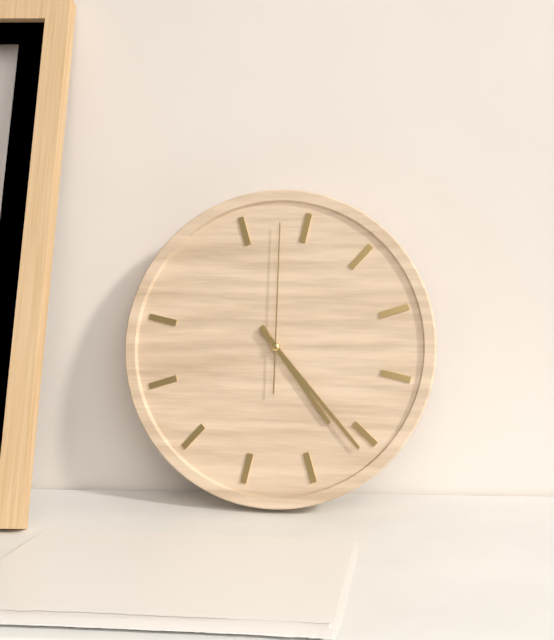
4:21:58
